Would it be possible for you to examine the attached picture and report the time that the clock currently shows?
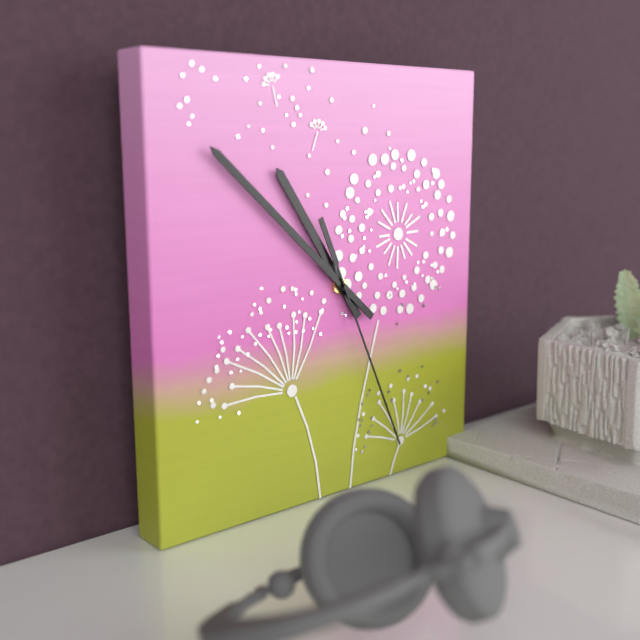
10:52:26
